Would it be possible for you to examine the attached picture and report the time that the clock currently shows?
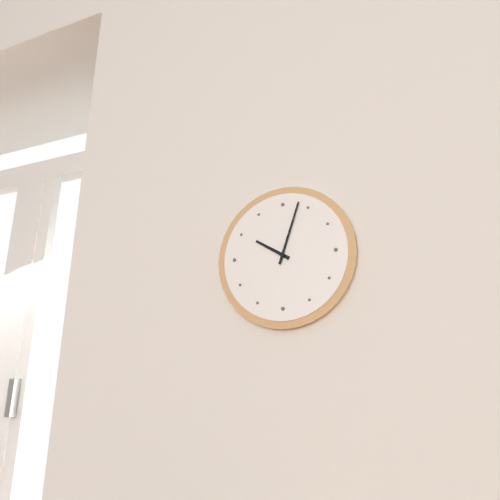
10:03
